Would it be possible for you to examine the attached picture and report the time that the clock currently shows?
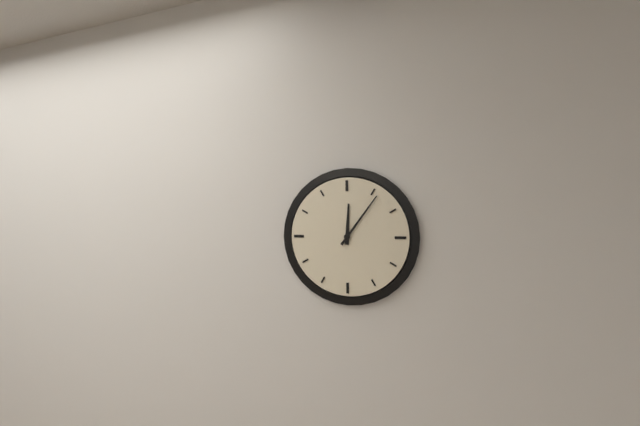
12:06
